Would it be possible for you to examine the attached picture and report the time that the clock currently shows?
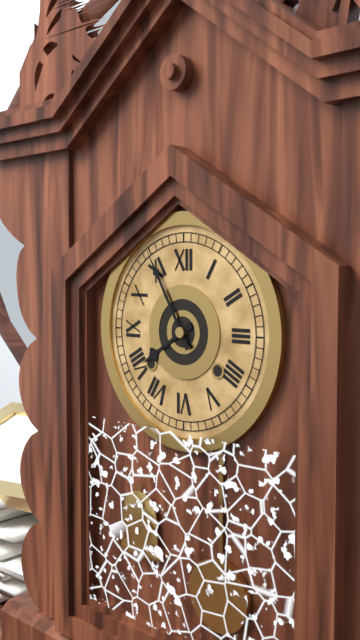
7:55
